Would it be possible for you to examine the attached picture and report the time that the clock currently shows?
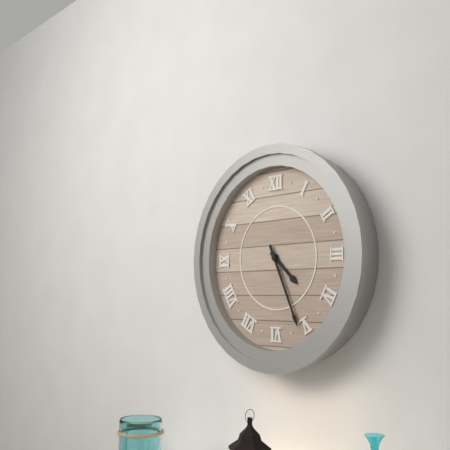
4:26
